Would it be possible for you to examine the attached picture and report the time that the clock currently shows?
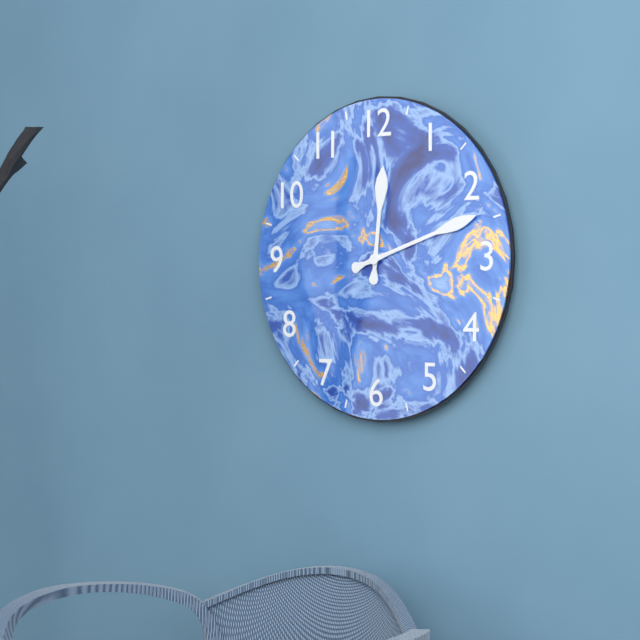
12:12
